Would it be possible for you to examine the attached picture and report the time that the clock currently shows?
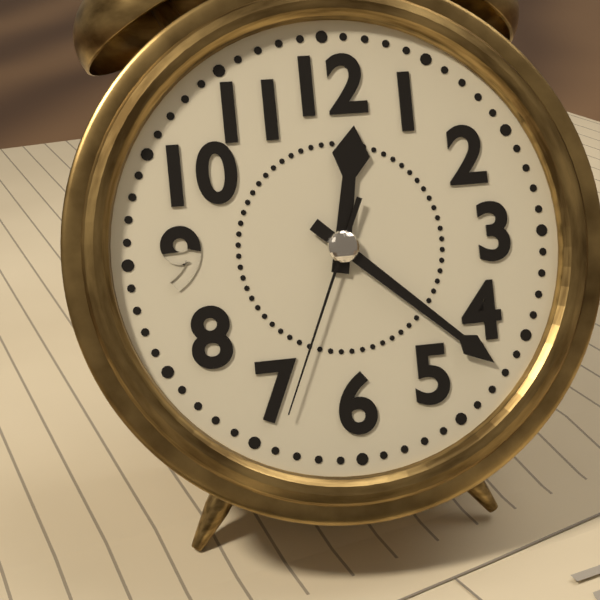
12:22:34
